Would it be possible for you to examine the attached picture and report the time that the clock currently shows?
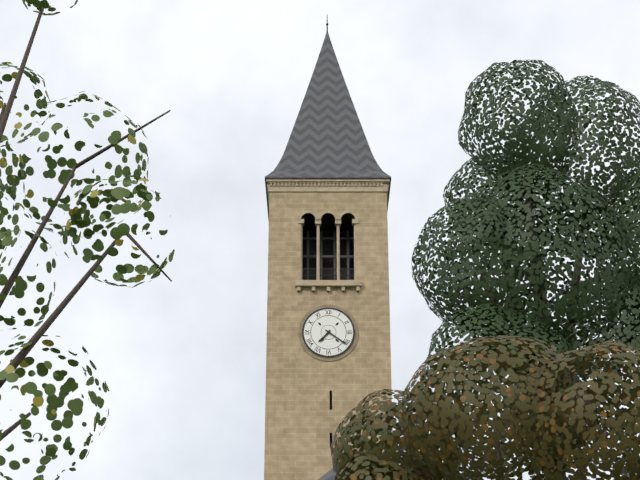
7:21
